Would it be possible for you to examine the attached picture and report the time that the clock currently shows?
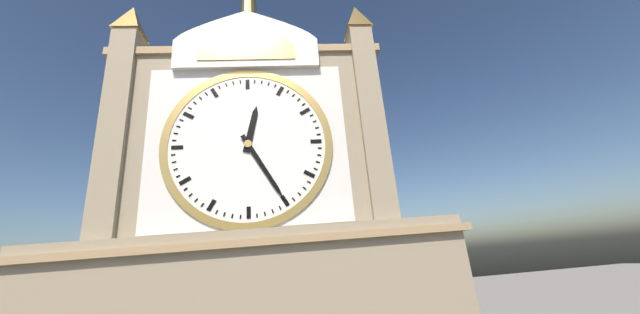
12:25
